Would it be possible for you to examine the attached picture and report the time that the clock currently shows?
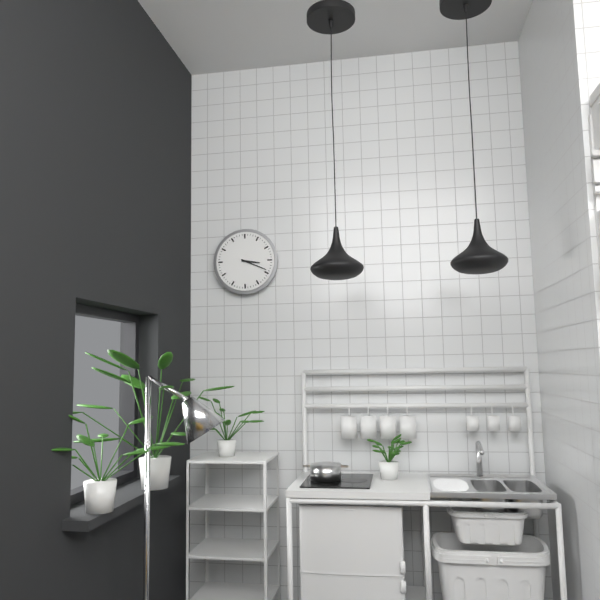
3:19
